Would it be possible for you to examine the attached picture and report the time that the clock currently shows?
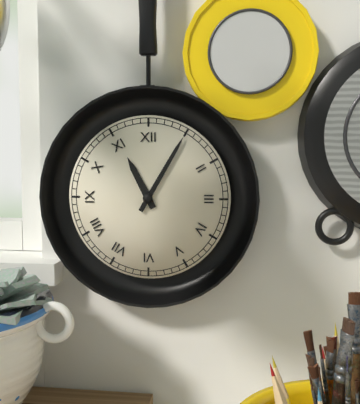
11:05
